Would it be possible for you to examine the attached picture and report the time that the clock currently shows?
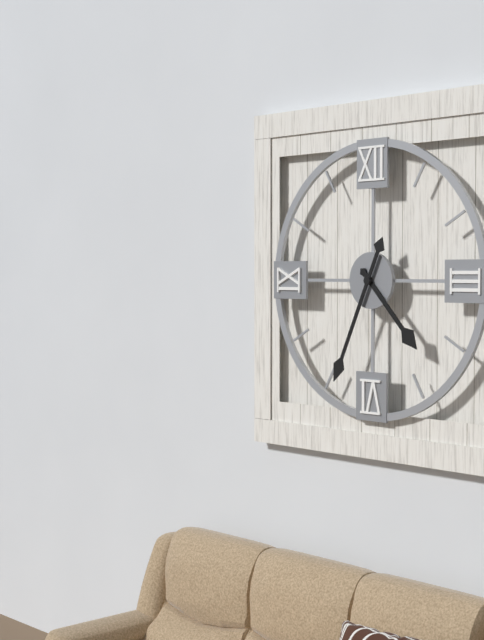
4:34
